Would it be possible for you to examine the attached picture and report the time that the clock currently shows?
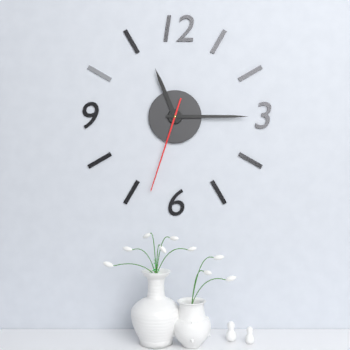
11:15:33
